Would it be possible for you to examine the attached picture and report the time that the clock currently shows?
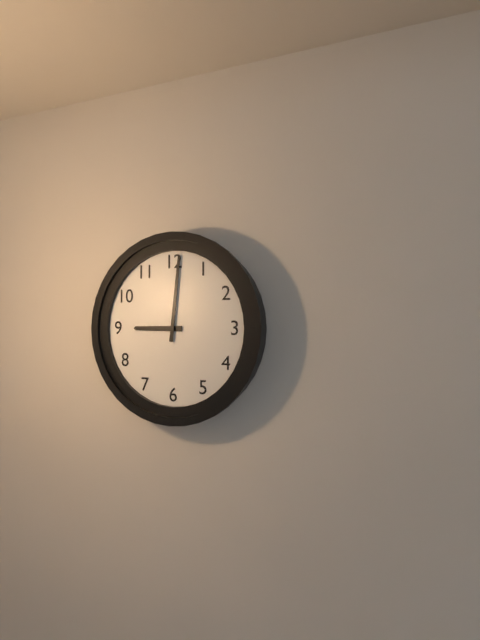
9:01
